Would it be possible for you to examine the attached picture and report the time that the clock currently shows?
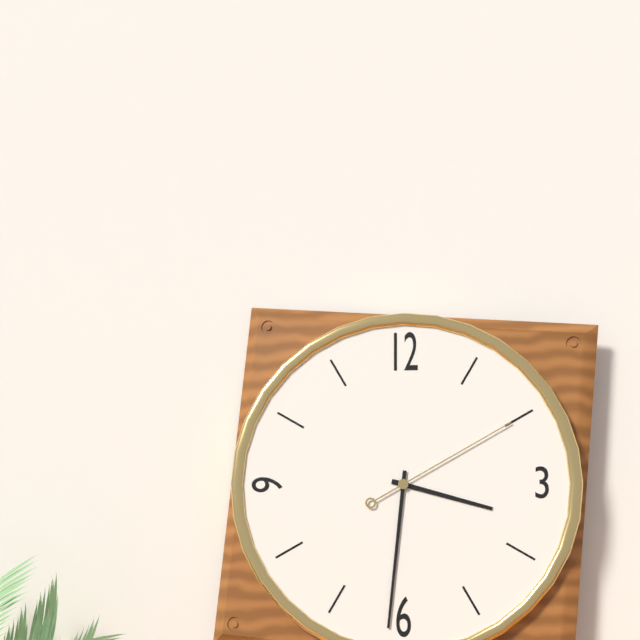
3:31:10
